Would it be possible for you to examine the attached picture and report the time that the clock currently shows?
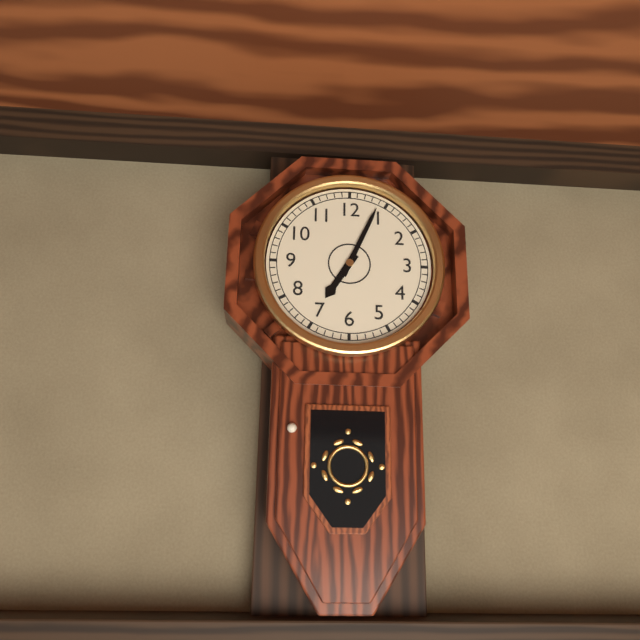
7:04
